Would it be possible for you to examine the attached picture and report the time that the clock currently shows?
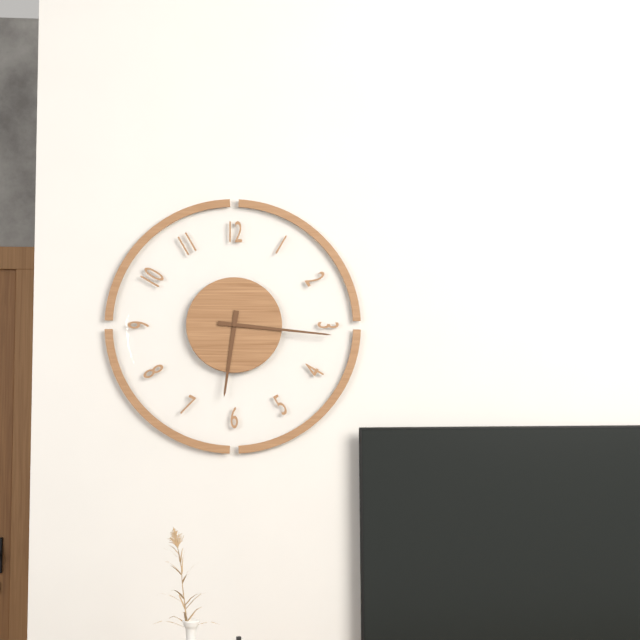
6:16
